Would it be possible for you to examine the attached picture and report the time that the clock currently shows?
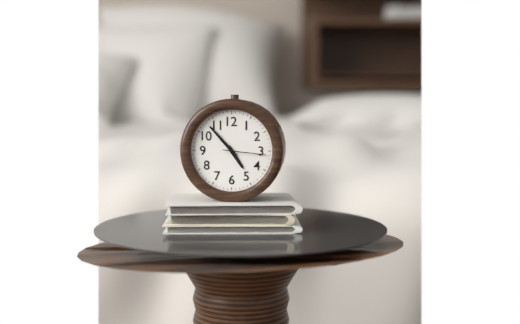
4:53
